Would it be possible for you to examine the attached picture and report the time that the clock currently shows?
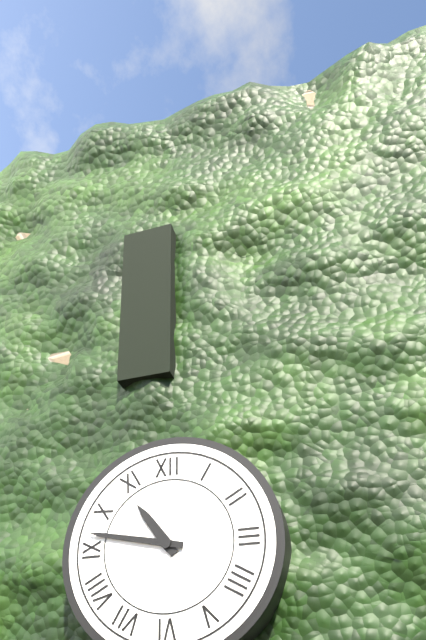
10:47
